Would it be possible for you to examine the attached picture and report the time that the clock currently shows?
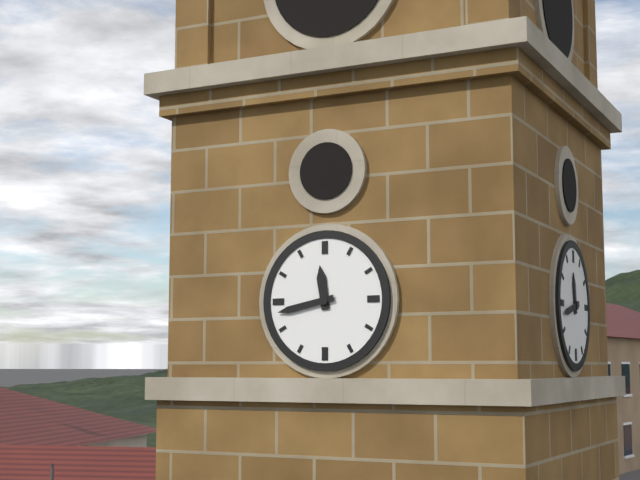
11:43
